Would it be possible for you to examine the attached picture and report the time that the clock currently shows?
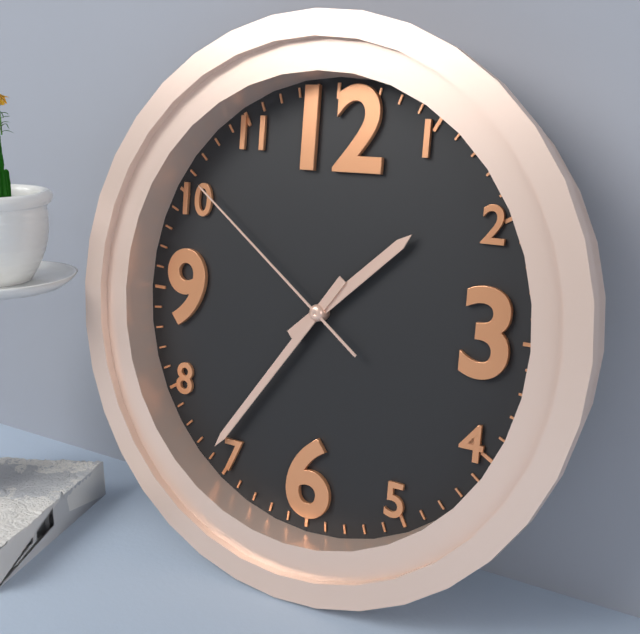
1:36:51
